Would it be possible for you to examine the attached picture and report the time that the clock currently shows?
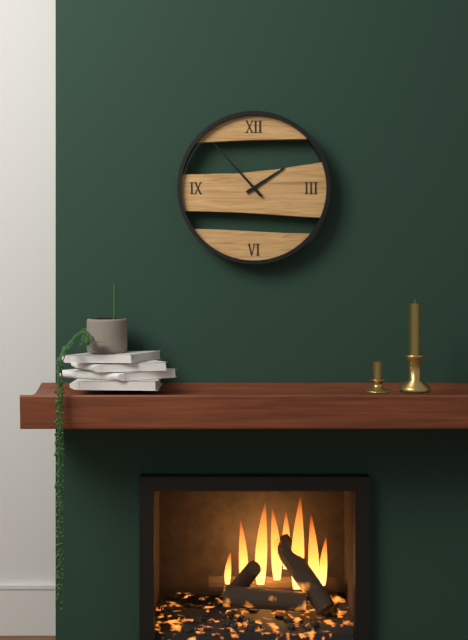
1:53
